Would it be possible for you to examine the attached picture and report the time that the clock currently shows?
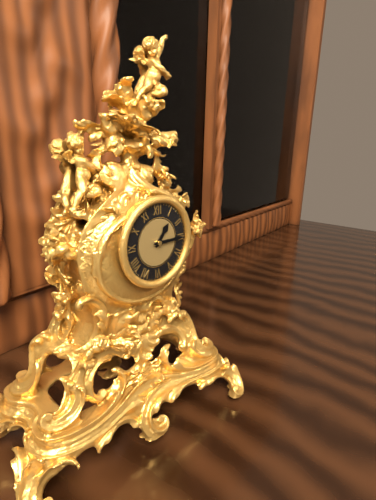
1:15
